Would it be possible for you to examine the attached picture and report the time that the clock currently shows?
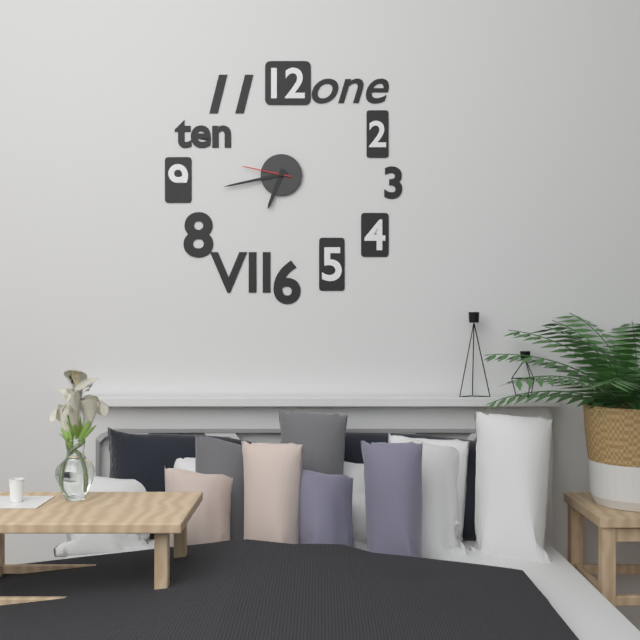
6:43:47
